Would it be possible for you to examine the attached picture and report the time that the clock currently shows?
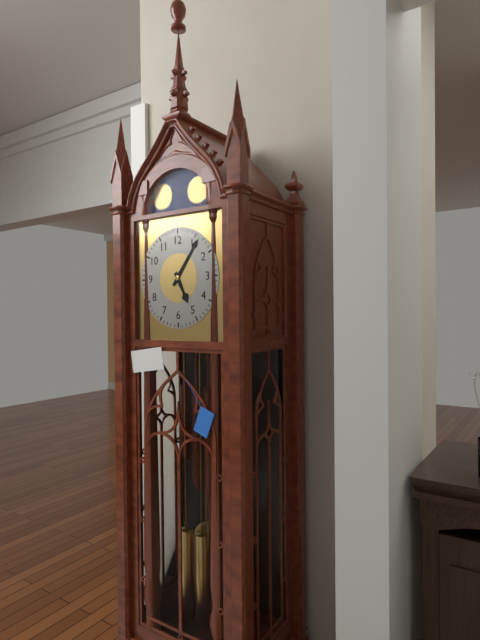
5:06
